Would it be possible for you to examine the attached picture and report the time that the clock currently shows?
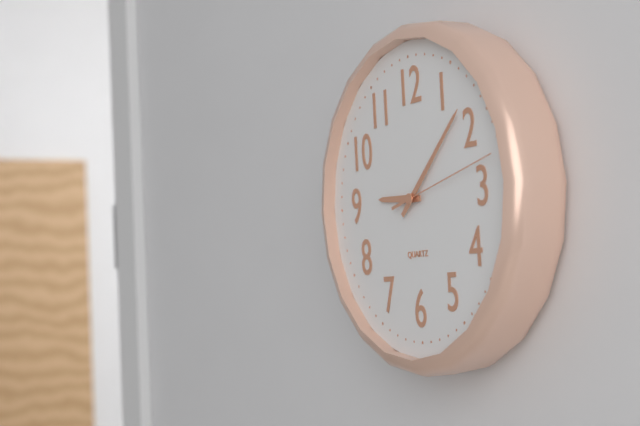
9:08:13
